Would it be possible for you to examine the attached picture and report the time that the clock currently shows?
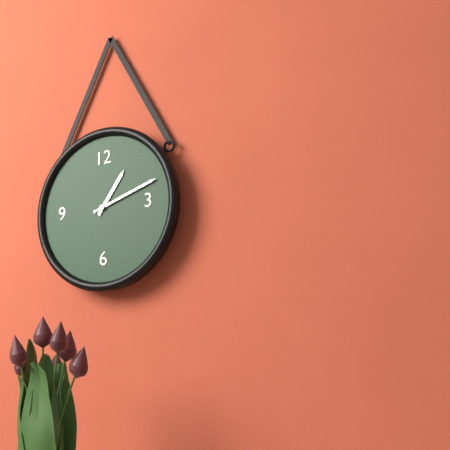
1:12
